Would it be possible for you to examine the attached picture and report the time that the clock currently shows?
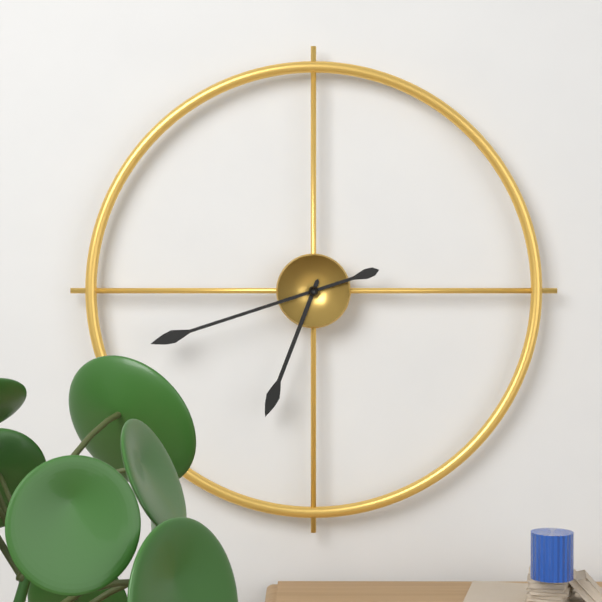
6:42
